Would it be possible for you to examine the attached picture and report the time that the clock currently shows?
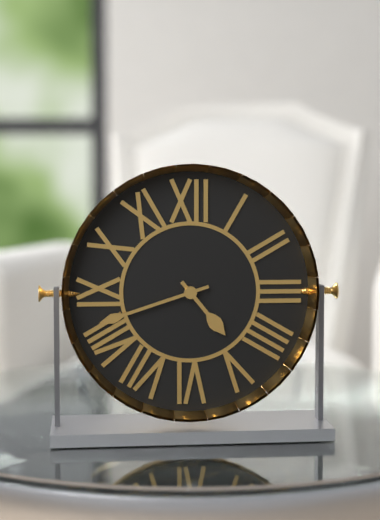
4:42
